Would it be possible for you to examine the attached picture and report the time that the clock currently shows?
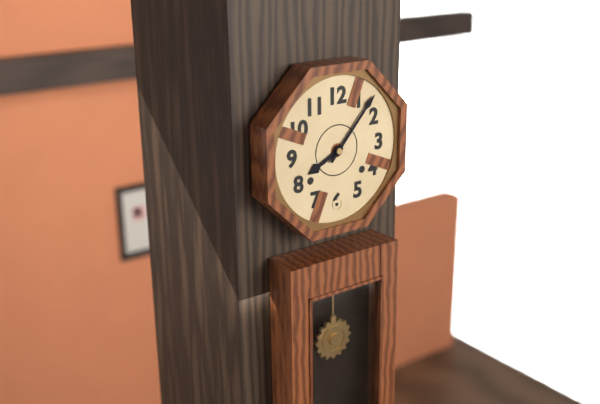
8:07
